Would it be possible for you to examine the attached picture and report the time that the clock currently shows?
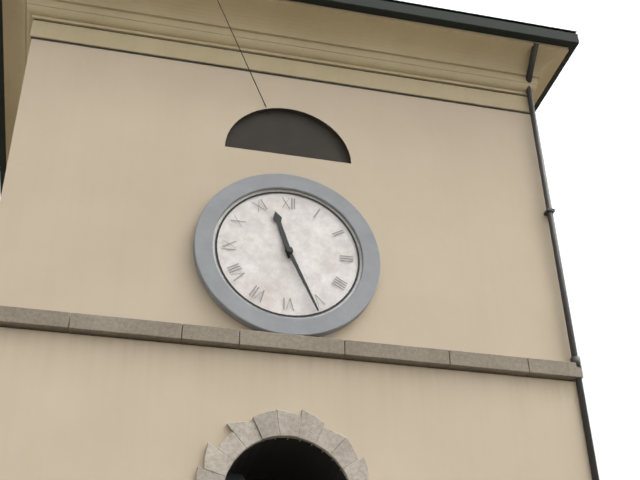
11:26
